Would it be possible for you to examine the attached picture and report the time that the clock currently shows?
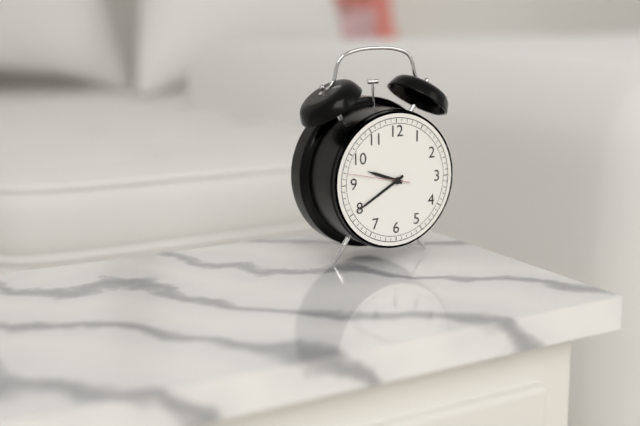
9:40:47
